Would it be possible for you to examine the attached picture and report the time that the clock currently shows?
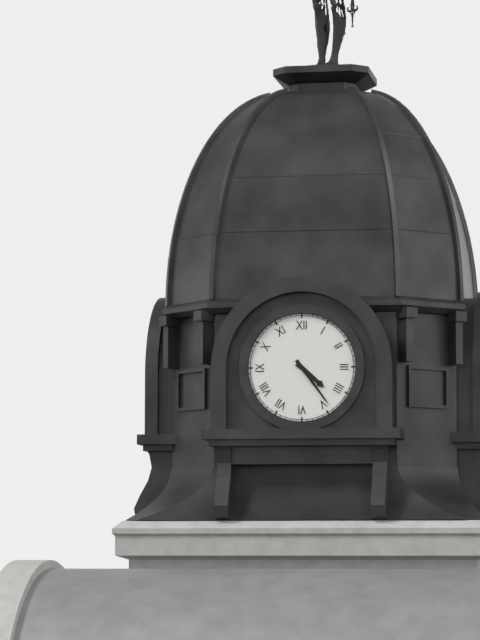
4:24
